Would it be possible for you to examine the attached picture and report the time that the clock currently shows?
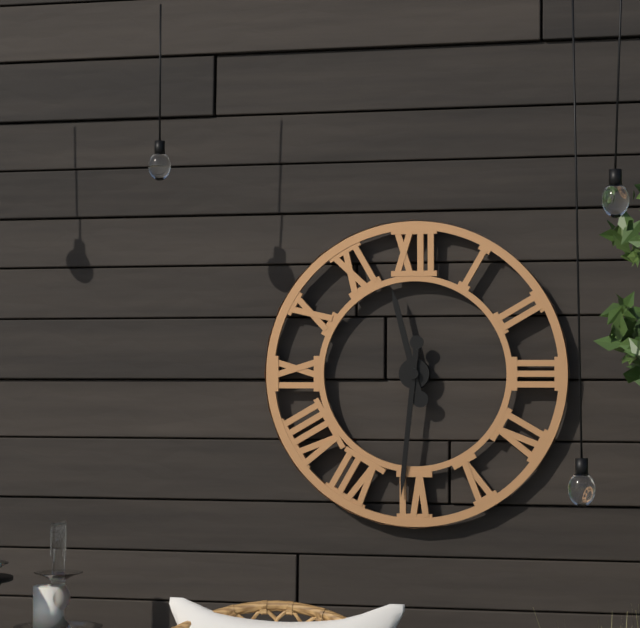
11:31
